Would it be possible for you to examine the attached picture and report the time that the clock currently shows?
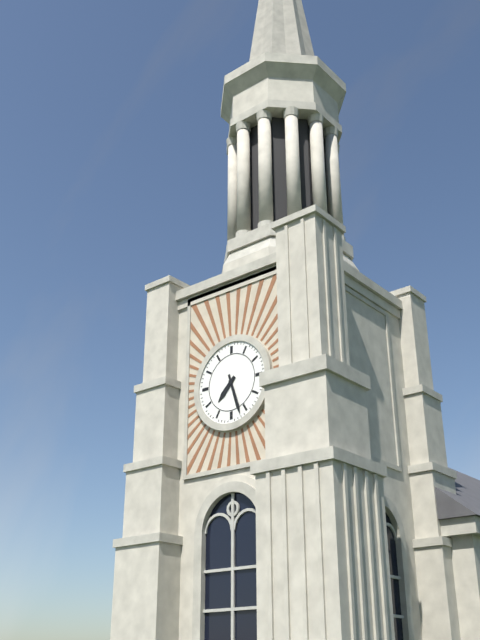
7:27
